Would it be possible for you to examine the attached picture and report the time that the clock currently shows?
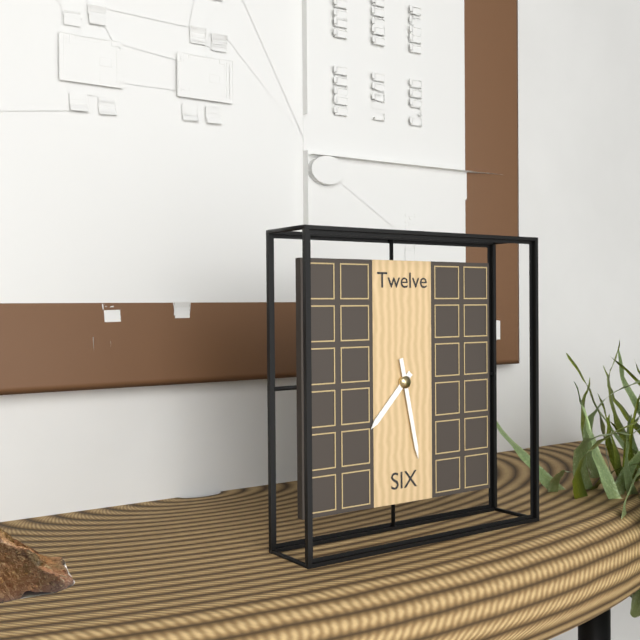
7:28
